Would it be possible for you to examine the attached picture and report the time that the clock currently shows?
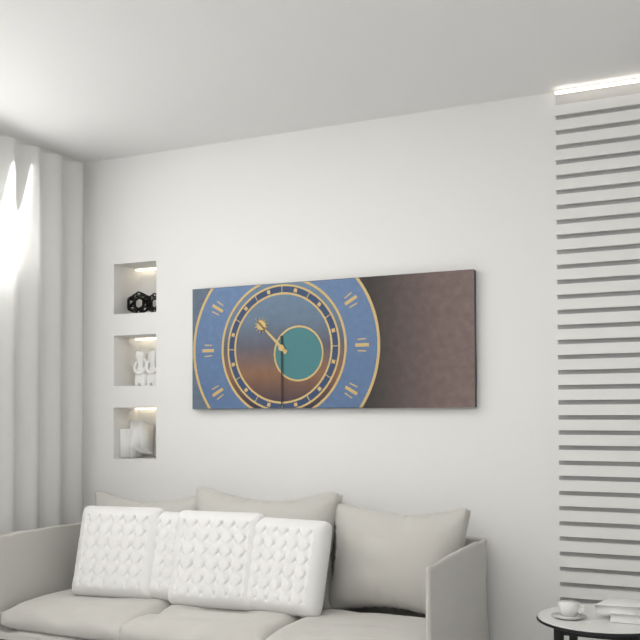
10:30
